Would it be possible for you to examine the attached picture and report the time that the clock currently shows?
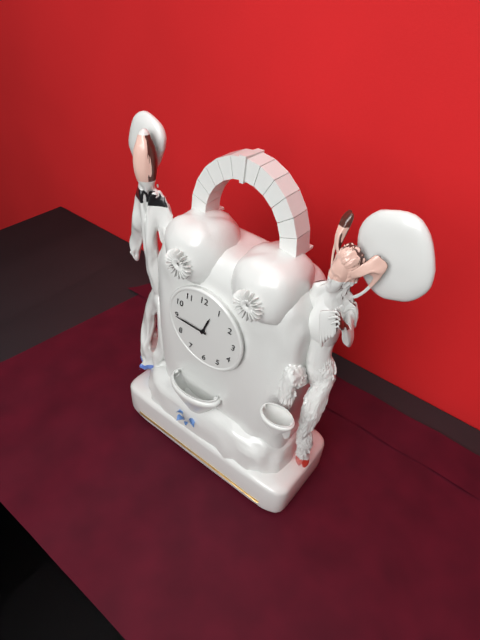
12:45
